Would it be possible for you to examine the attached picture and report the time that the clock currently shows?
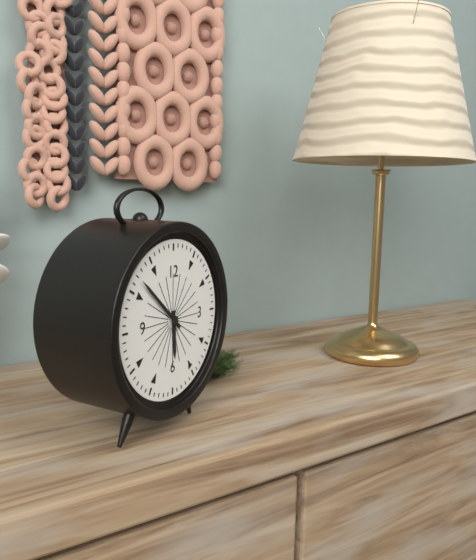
5:52
